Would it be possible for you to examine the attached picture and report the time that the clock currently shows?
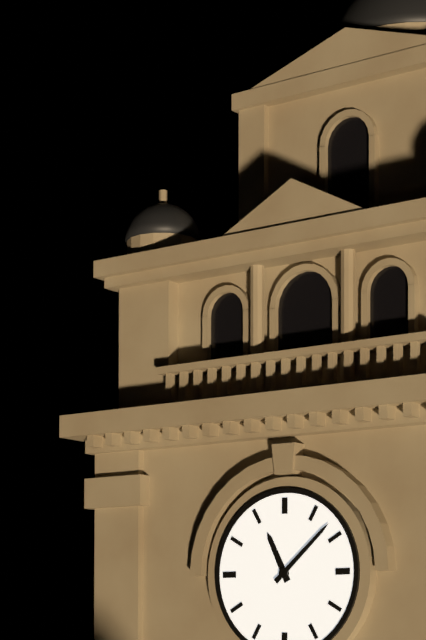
11:08
